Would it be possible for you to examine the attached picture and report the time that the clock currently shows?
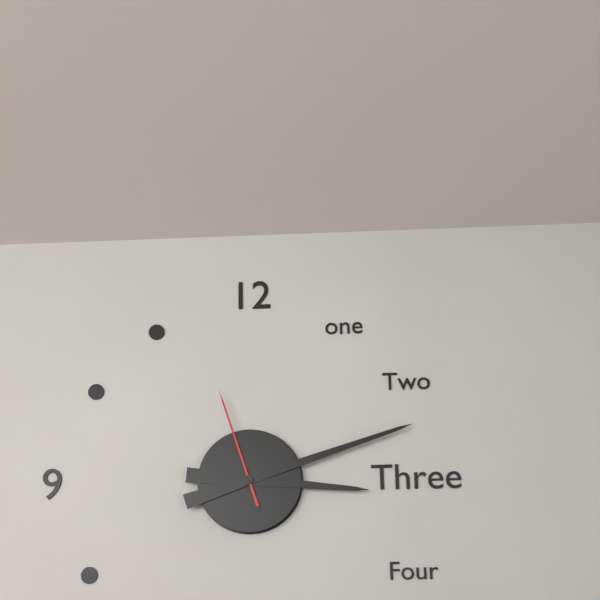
3:12:57
